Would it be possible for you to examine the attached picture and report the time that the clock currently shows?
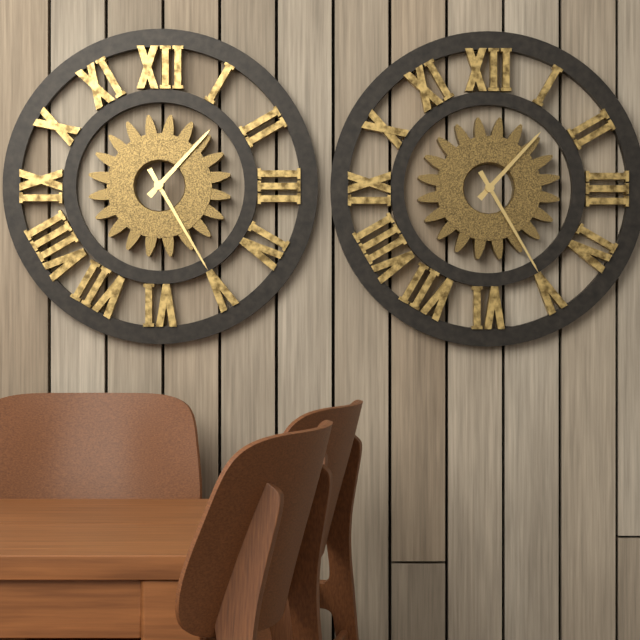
1:25
